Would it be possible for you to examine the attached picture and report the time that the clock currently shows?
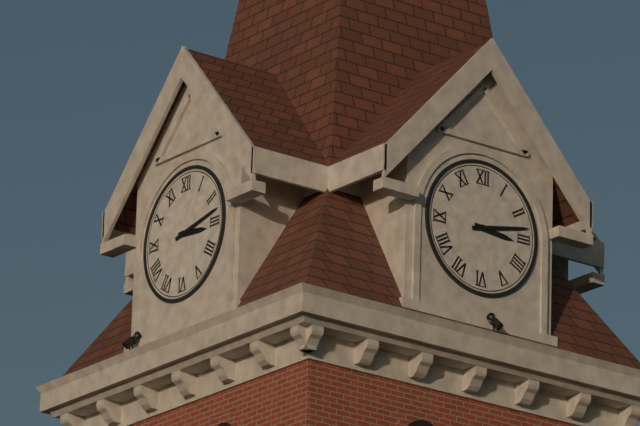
3:13
